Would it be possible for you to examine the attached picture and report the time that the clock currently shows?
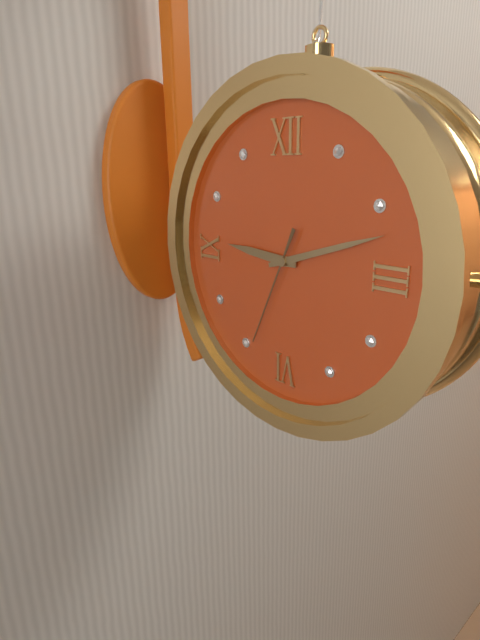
9:12:34
